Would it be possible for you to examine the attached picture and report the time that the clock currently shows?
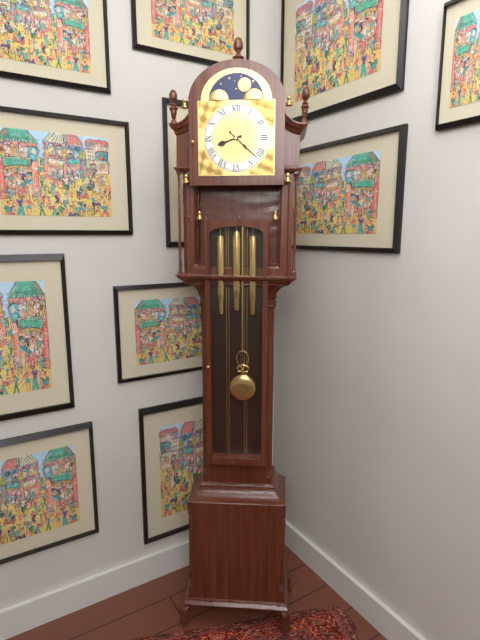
8:22
